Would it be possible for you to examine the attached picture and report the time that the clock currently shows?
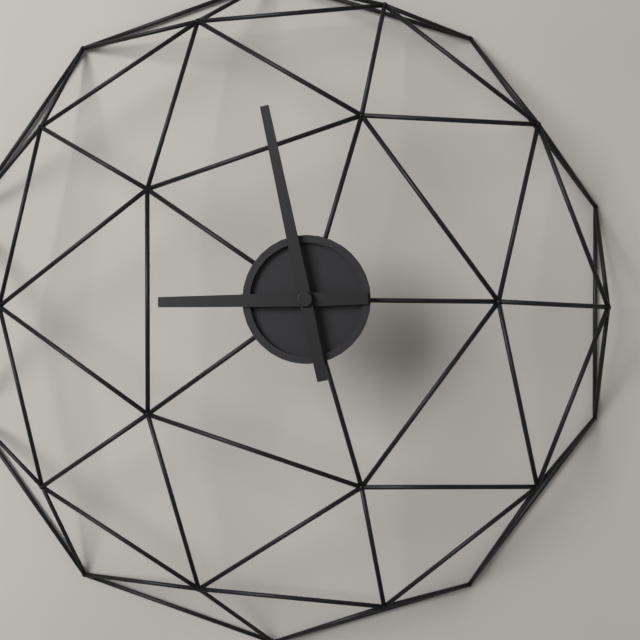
8:58
